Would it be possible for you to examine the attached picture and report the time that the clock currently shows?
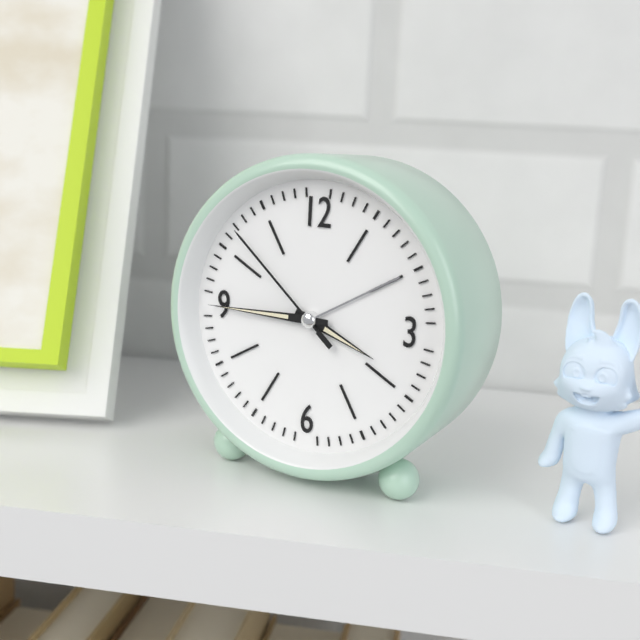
3:45:52
